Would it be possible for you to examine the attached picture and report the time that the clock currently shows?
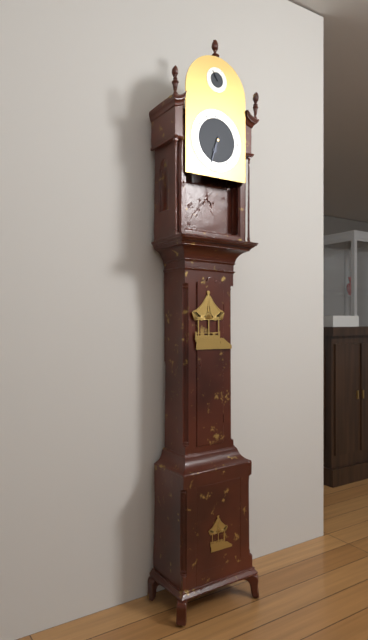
6:33
